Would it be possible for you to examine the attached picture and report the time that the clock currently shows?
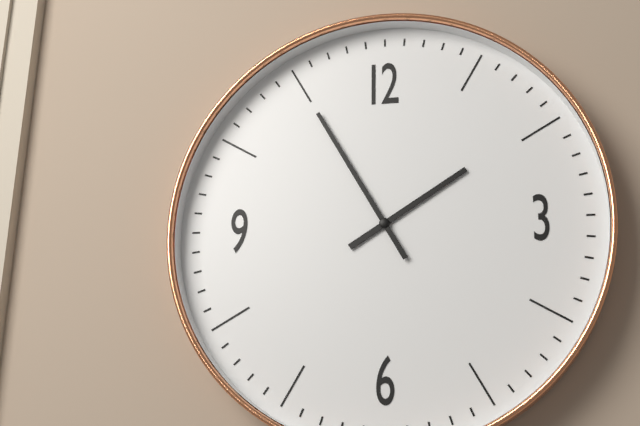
1:55
